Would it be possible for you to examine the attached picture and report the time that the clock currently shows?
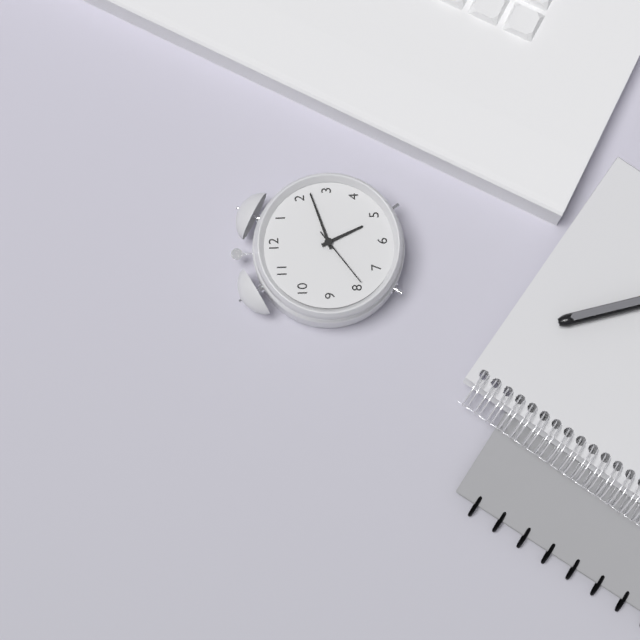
5:12:39
